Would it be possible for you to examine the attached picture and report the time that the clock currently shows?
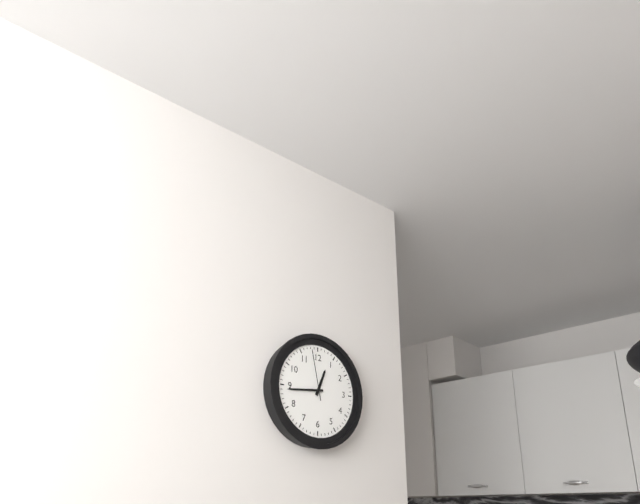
12:44:58
